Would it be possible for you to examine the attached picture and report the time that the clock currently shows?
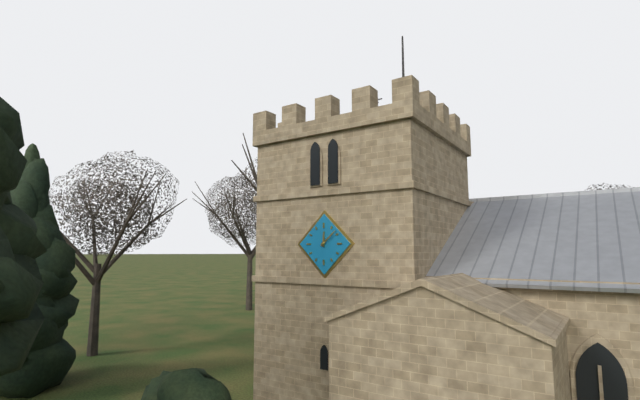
12:08
